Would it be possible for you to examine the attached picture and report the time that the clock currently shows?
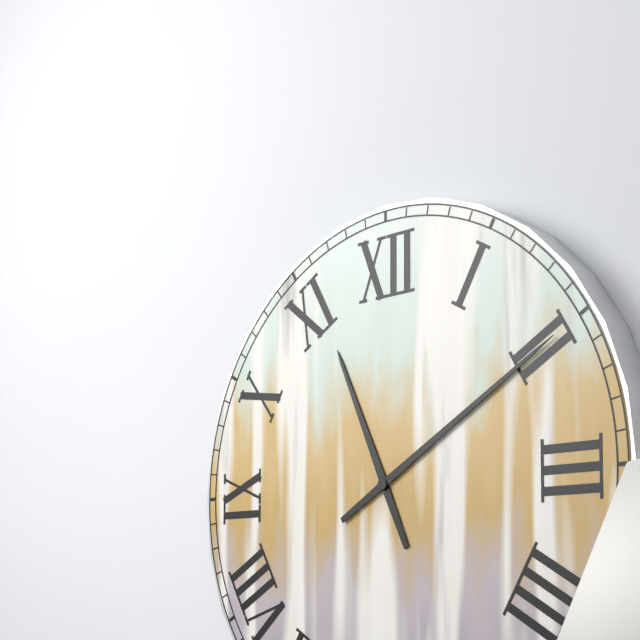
11:10
